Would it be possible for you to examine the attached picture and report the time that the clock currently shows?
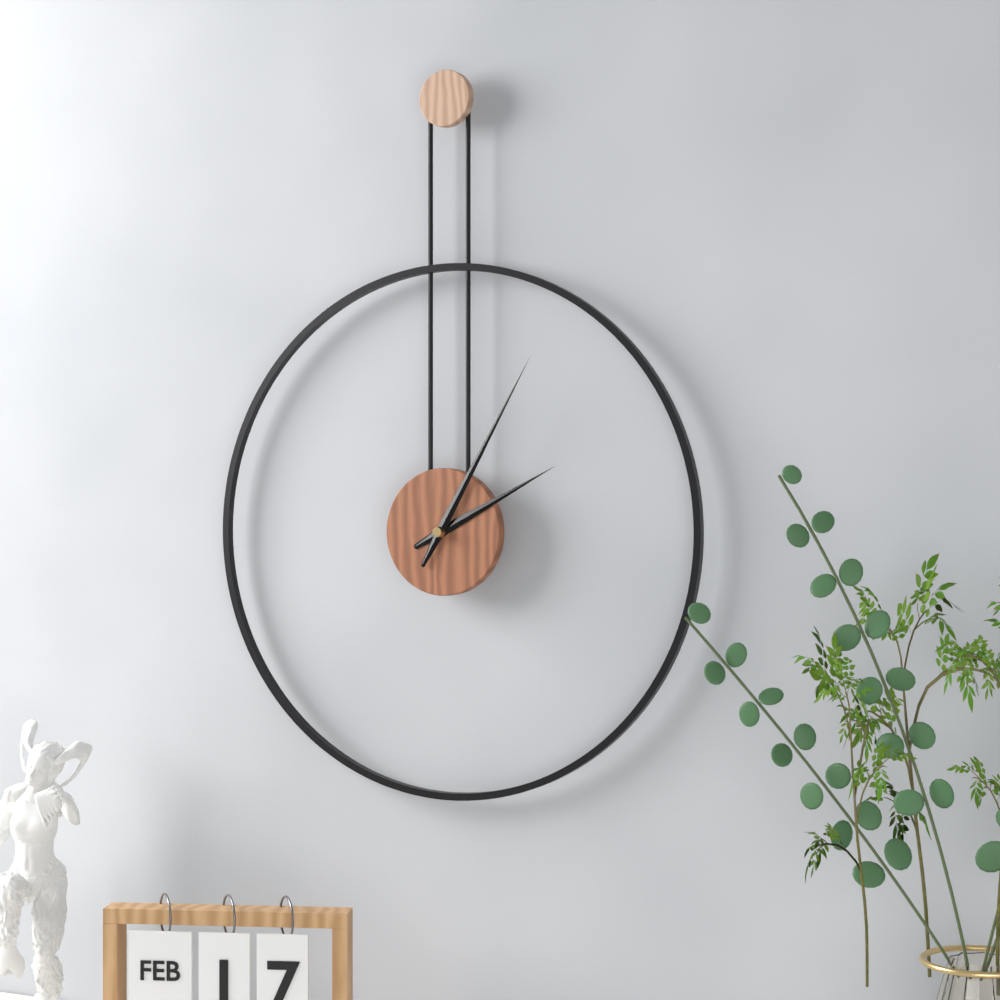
2:05
